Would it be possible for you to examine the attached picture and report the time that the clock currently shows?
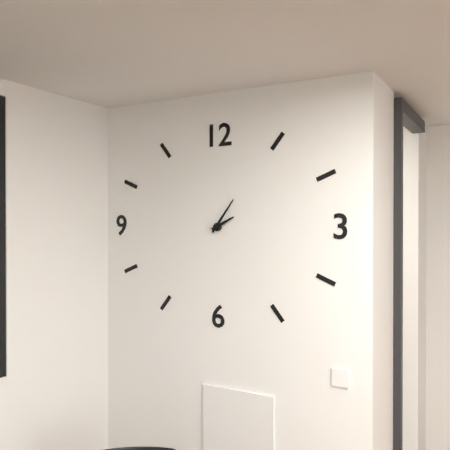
2:06
